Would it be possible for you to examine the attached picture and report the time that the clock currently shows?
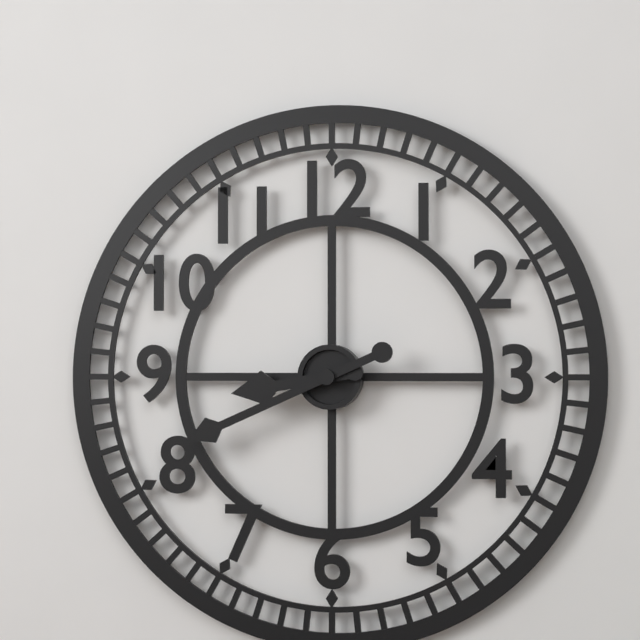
8:41
